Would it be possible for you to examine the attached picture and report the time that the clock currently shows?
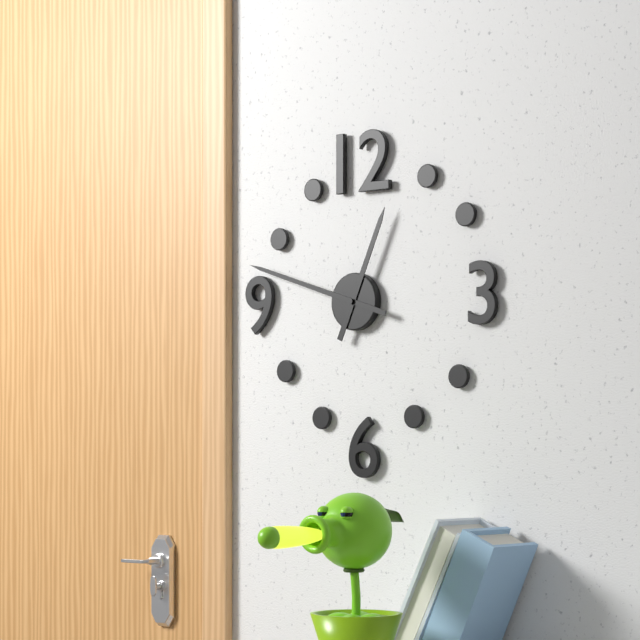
12:48
